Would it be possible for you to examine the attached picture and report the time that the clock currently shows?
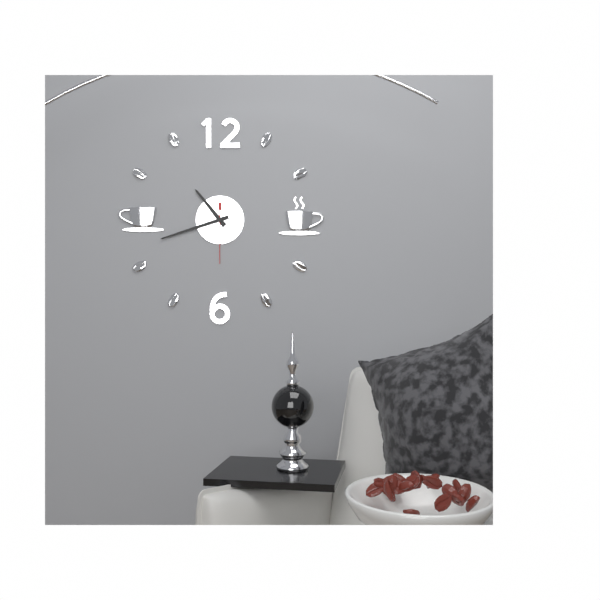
10:42:30
